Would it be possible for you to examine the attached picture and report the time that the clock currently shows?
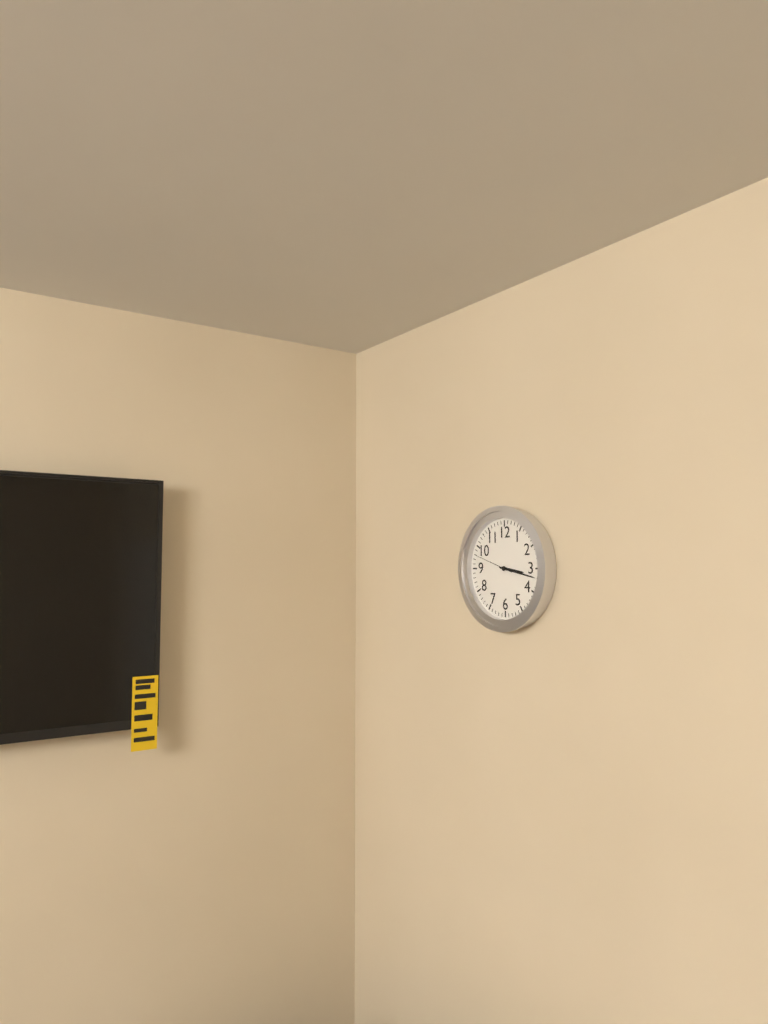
3:17
